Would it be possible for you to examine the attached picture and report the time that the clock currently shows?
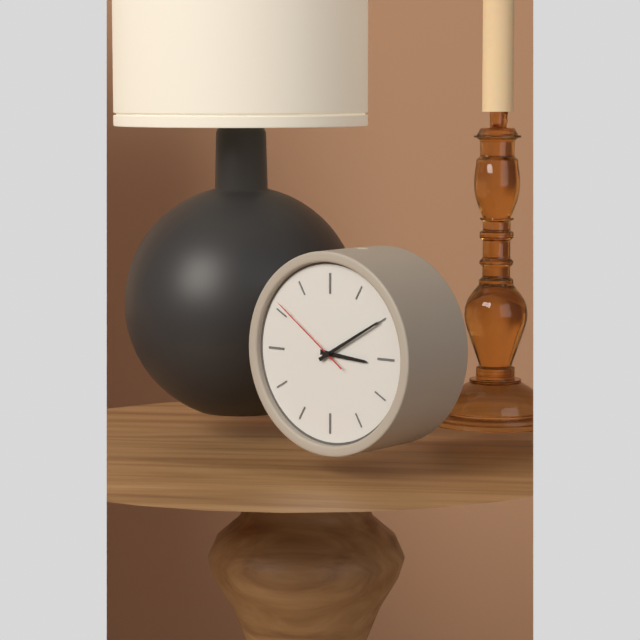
3:10:51
